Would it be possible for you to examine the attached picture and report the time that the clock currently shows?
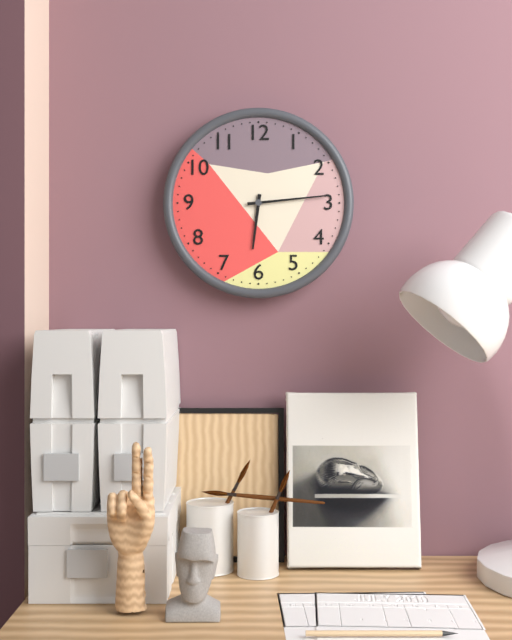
6:14
